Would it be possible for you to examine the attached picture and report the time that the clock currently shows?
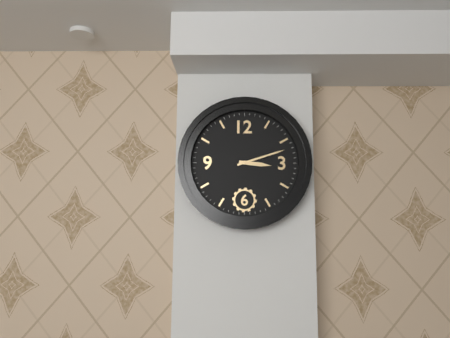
3:12
